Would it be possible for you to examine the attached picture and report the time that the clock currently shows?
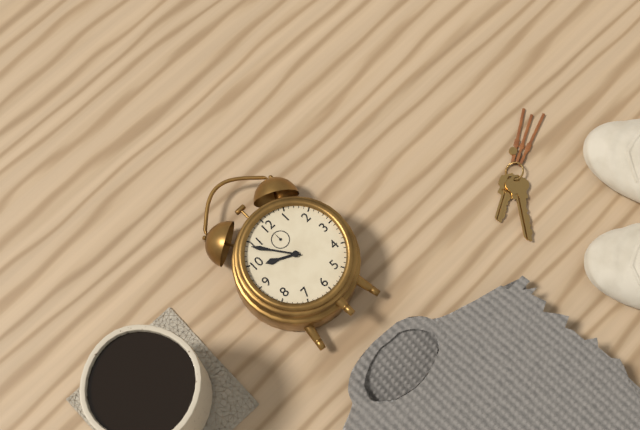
9:54
